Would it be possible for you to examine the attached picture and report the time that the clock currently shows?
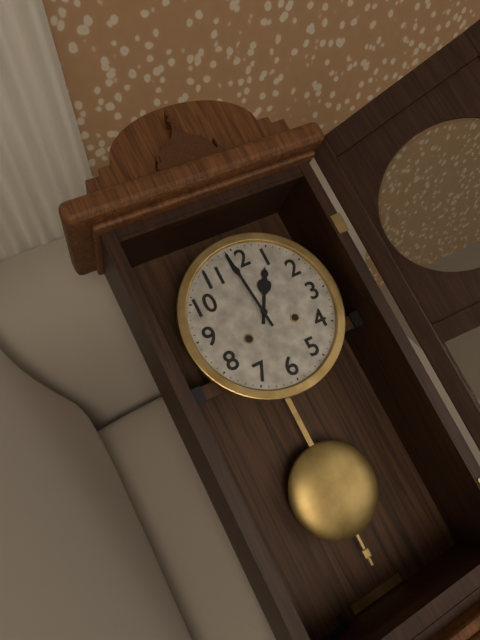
12:59
